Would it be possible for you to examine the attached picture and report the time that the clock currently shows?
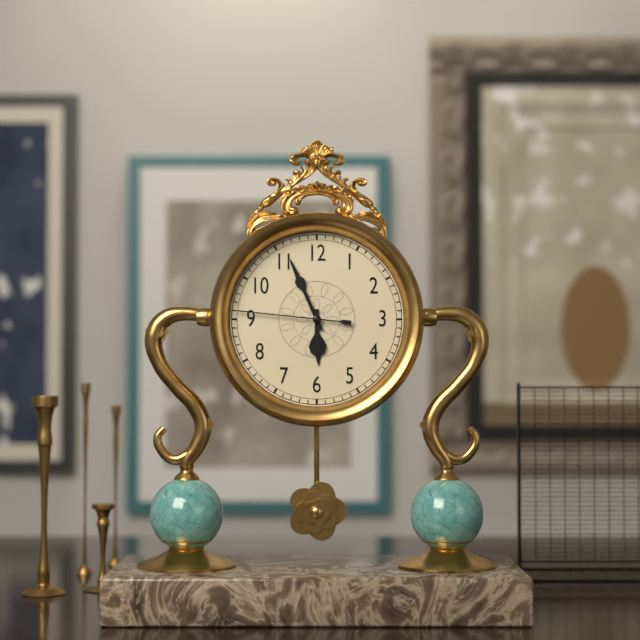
5:56:46
